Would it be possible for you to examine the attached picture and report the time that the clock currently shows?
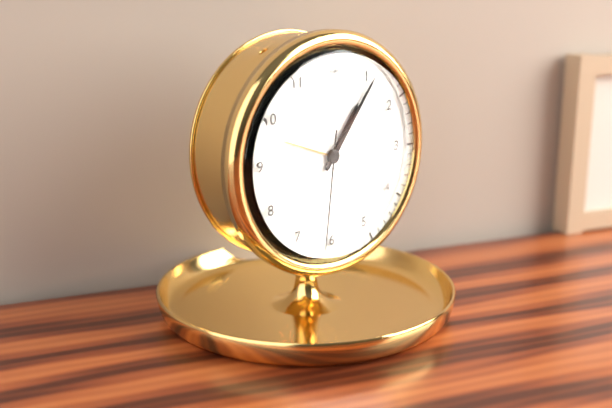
1:06:31
